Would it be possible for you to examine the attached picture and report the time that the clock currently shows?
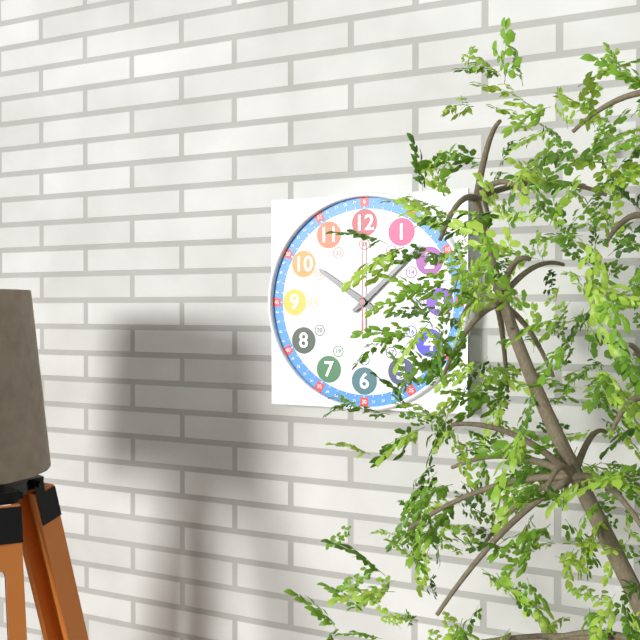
10:08:00
